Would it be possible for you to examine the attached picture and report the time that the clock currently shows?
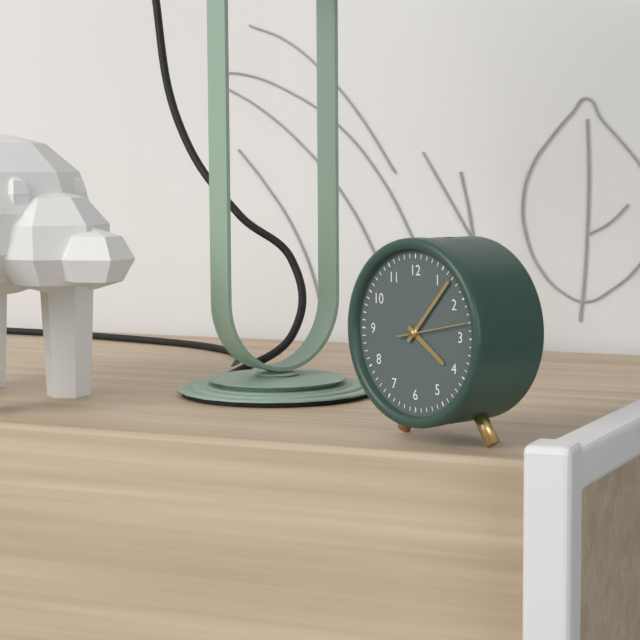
4:07:13
